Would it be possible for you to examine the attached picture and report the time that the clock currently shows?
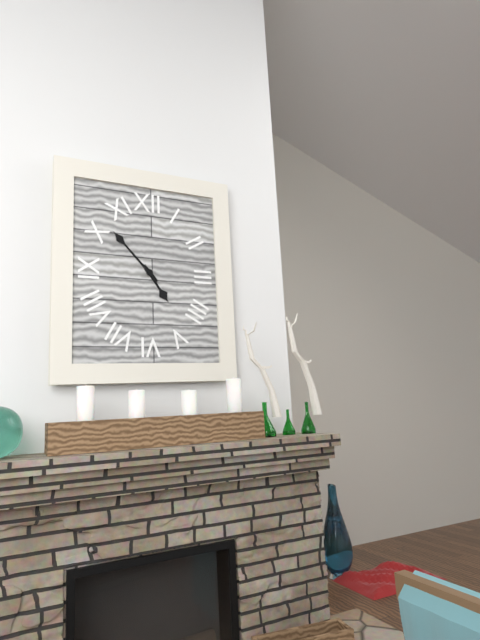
4:53
